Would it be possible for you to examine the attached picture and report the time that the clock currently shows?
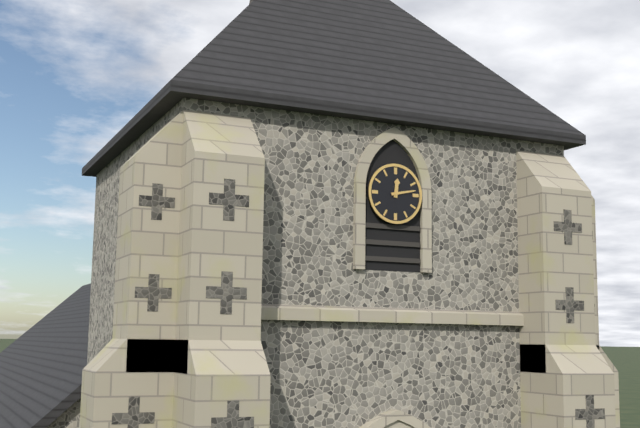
12:13
